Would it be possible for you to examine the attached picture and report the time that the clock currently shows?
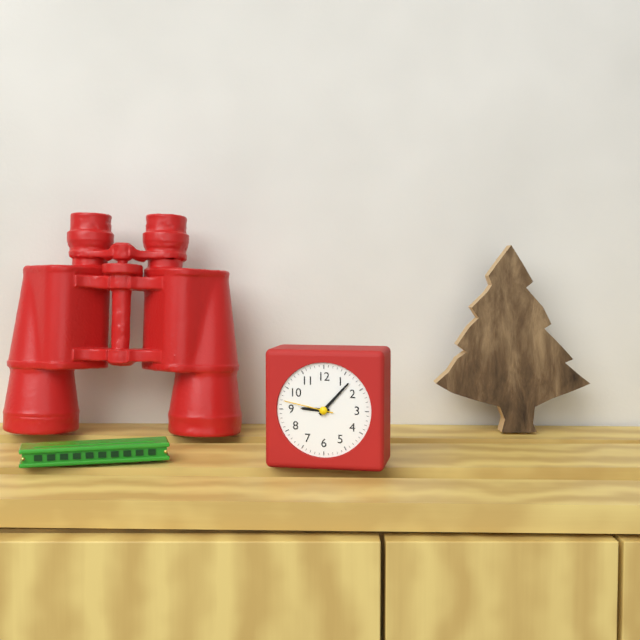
9:07:47
